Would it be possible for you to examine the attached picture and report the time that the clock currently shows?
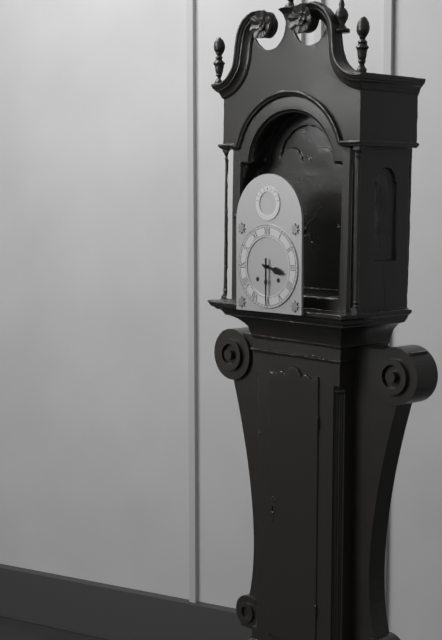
3:30
